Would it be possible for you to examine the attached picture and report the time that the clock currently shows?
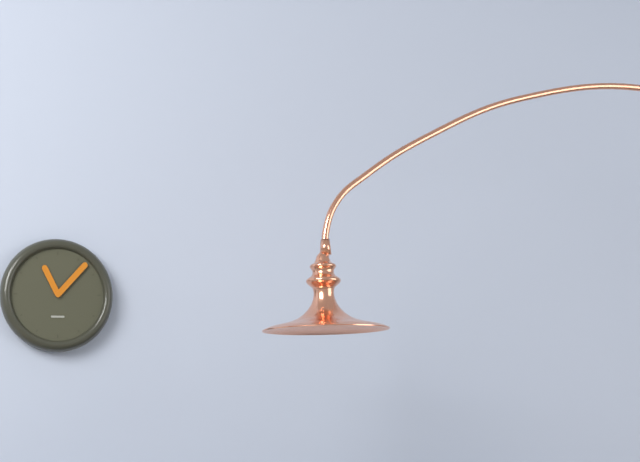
11:07
